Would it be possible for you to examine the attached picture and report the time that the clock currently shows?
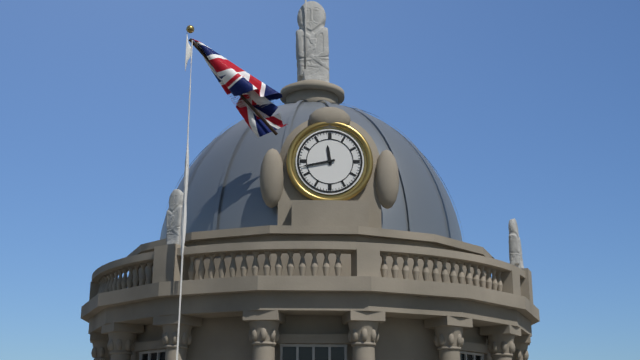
11:43
